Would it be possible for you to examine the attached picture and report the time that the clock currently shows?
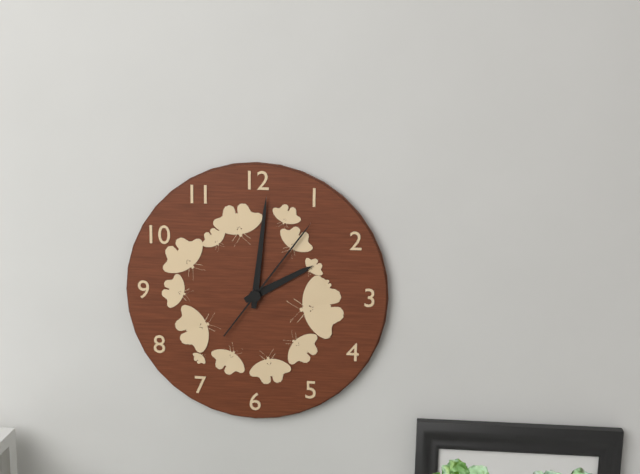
2:01:06
